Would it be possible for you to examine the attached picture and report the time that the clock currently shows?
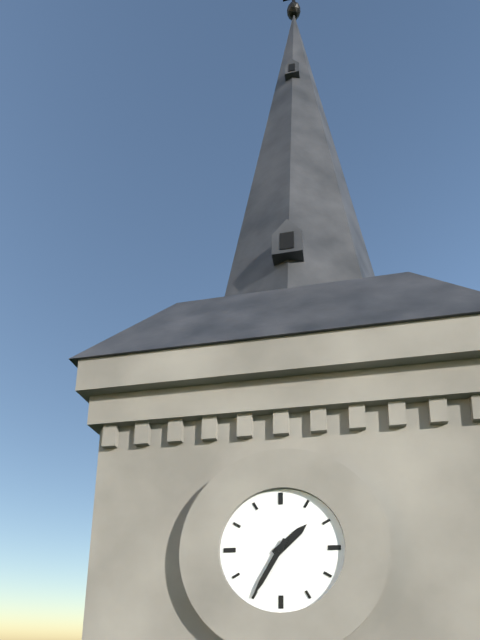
1:35
